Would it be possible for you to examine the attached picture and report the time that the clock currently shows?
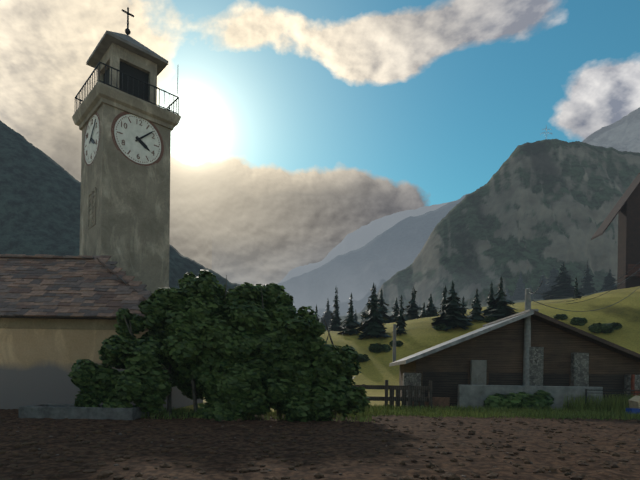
4:08
